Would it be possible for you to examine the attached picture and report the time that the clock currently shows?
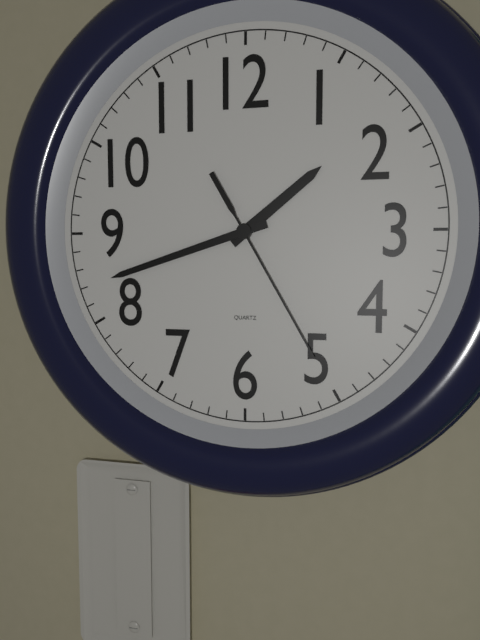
1:42:25
